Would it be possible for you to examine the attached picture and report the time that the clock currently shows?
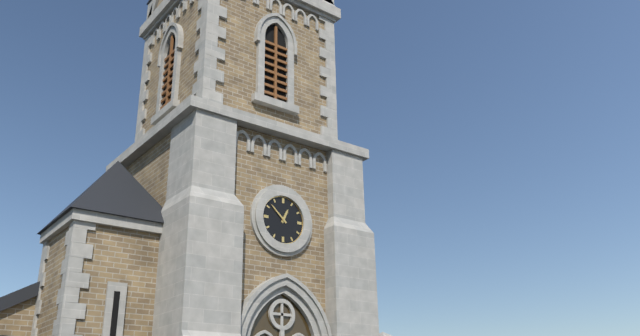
12:52
